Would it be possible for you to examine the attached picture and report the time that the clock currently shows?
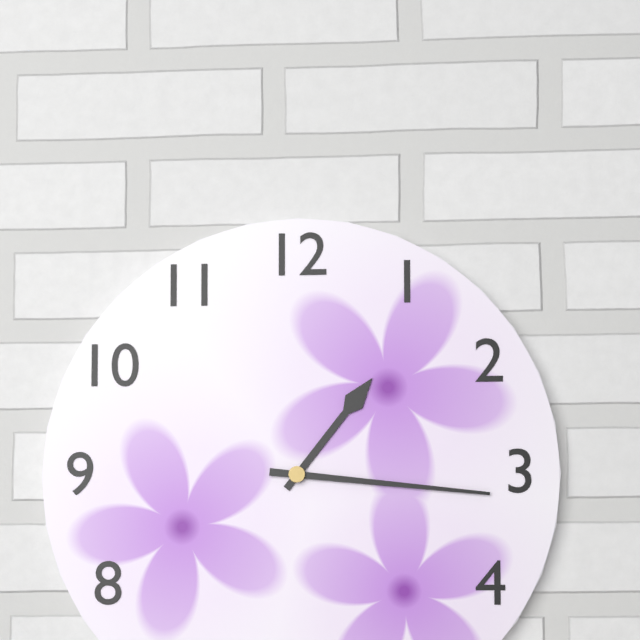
1:16
